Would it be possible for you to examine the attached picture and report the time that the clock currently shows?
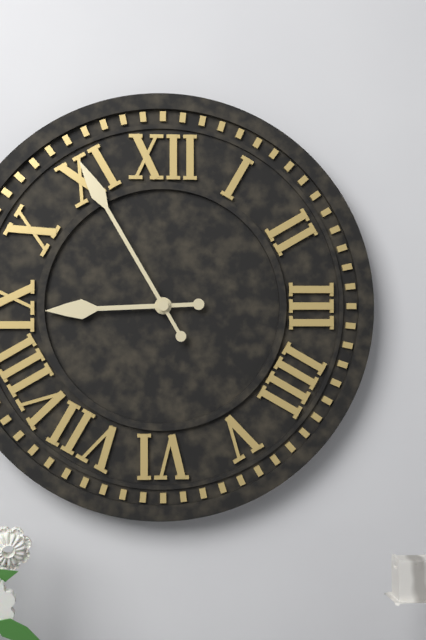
8:55
